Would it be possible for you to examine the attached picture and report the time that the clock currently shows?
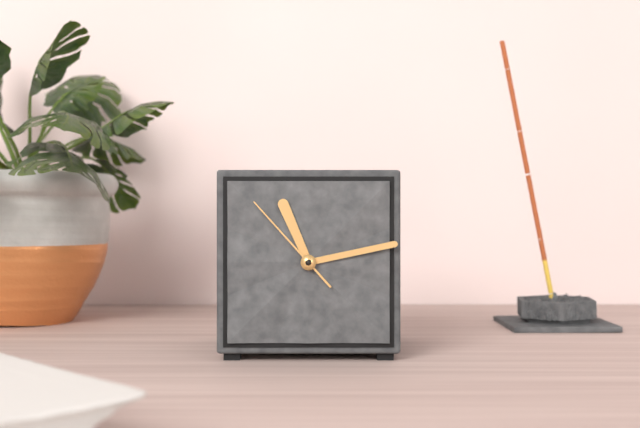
11:13:53
